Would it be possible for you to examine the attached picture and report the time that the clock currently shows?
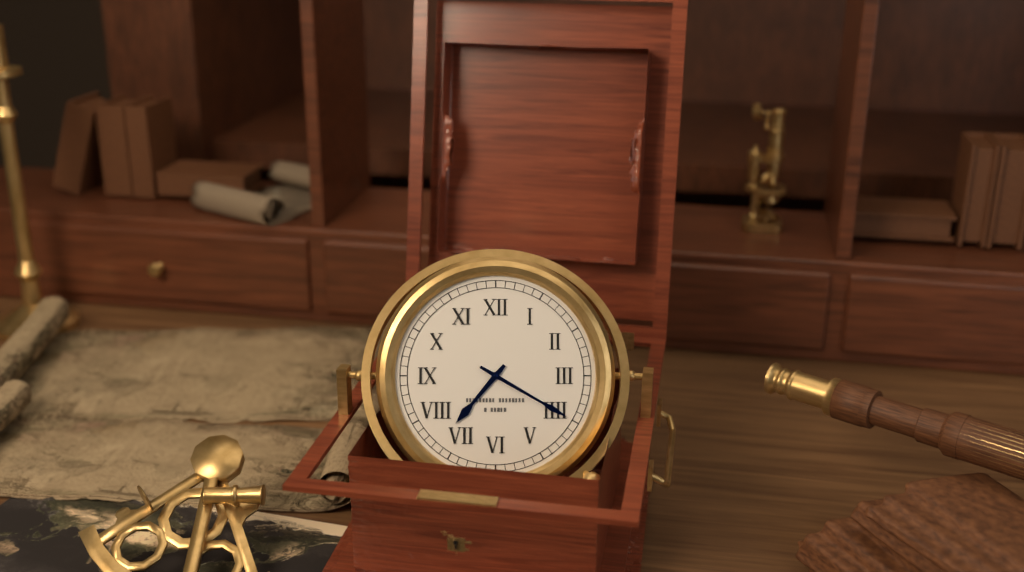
7:20
